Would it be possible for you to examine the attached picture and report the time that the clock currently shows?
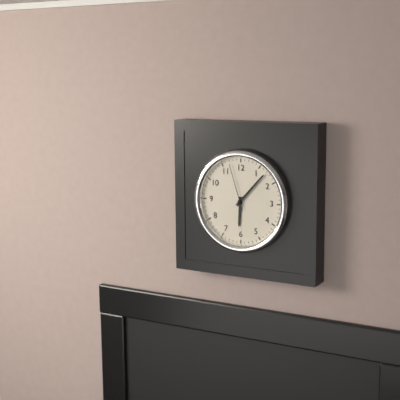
6:07
